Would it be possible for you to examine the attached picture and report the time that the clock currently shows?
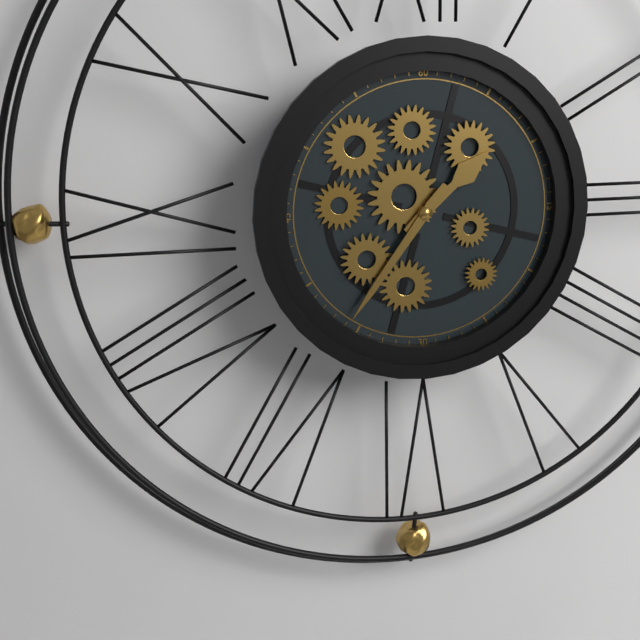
1:36
